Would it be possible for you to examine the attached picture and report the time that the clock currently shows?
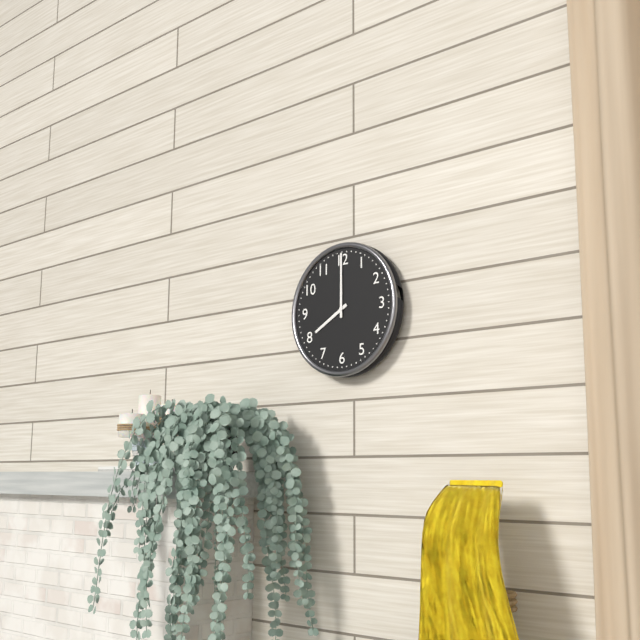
8:00
